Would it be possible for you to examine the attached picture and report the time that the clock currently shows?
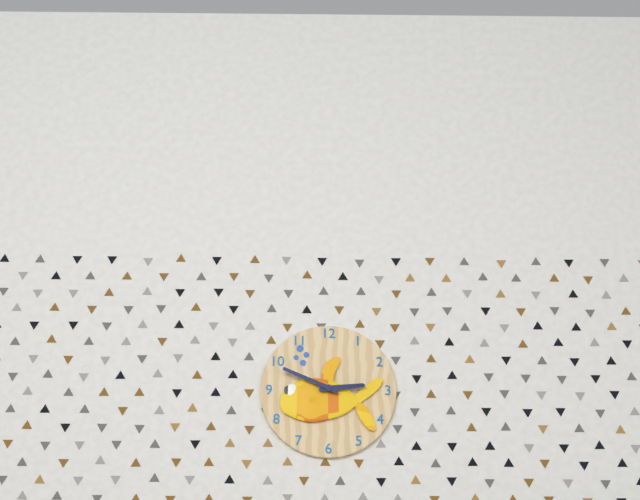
2:49
